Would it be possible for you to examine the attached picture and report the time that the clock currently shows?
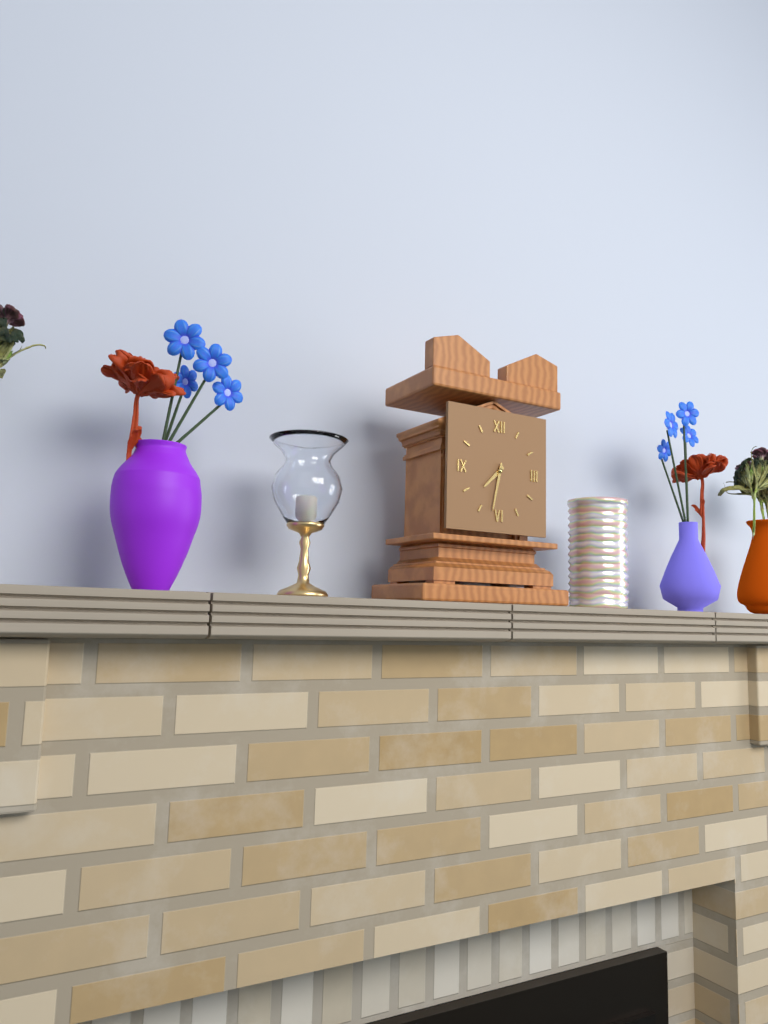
7:32
